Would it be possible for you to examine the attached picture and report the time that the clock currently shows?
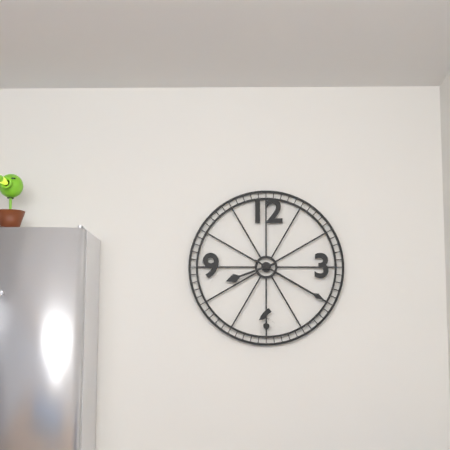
8:20
